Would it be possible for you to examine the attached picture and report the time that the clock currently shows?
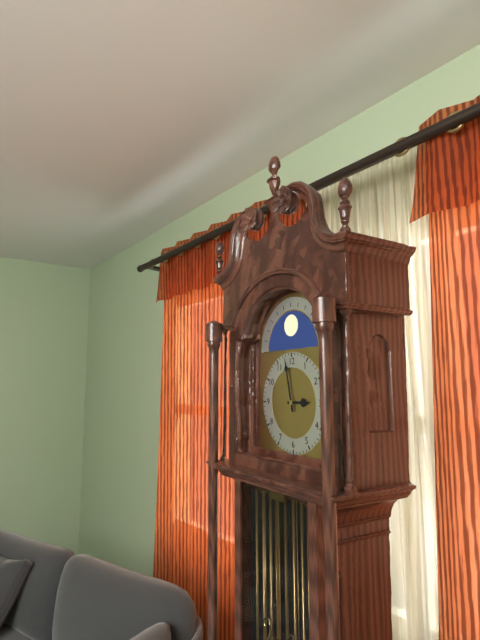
2:58
